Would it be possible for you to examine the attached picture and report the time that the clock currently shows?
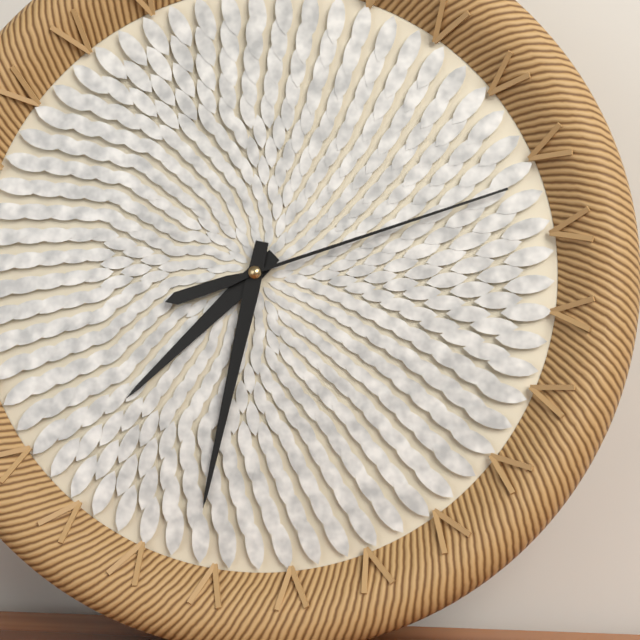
7:32:12
